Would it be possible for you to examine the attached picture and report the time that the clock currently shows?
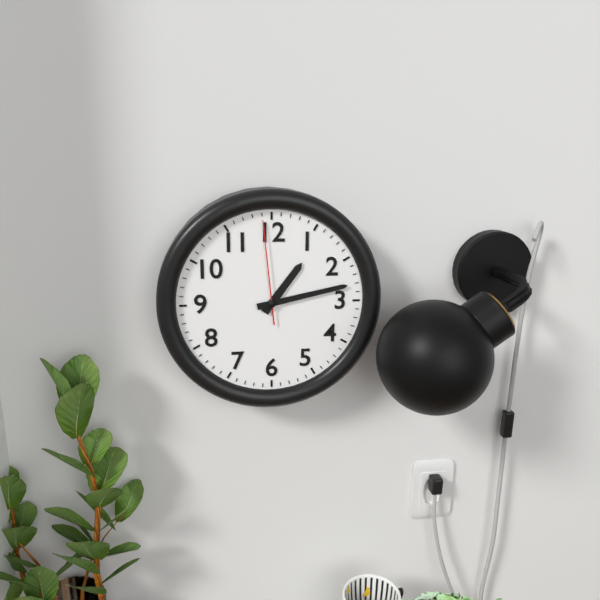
1:13:59
